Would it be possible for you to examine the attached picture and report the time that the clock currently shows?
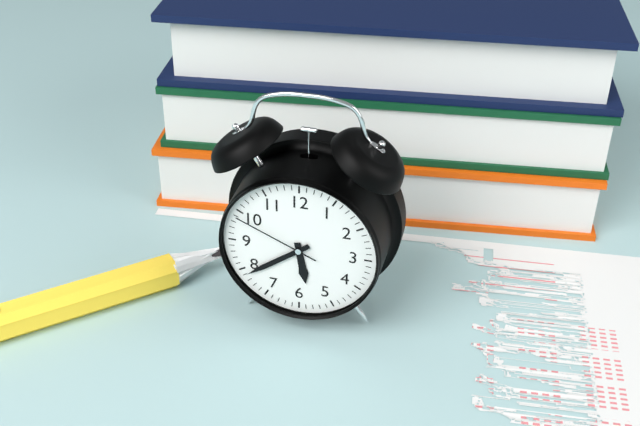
5:39:49
